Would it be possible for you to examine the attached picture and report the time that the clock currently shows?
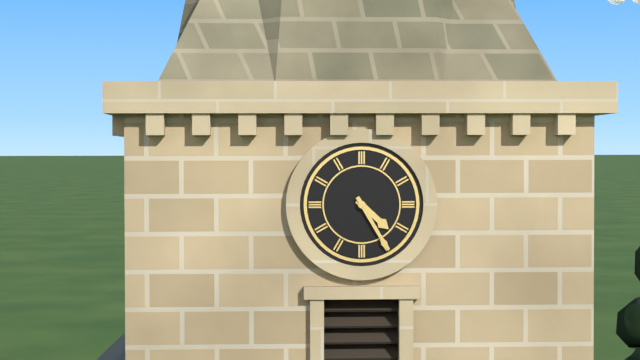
4:25
